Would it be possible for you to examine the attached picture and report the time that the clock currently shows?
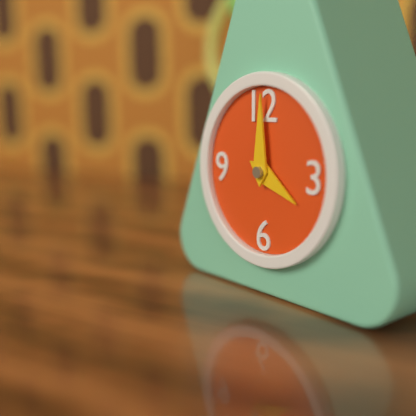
4:00
